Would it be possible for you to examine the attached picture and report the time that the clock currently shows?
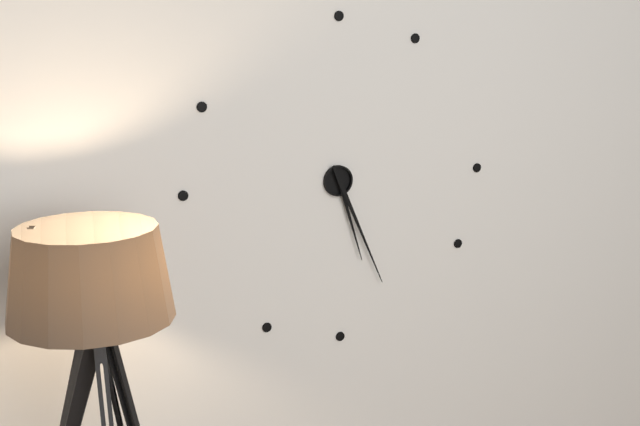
5:26
